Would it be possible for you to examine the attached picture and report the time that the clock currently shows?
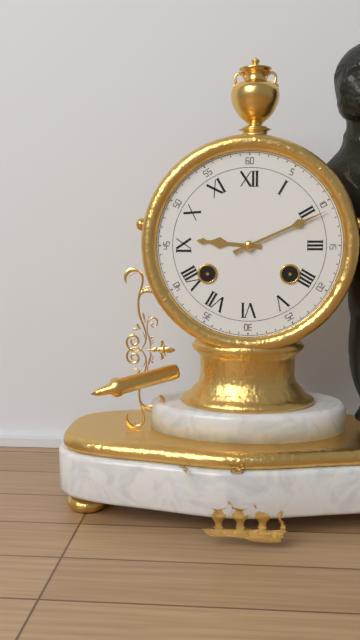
9:11
